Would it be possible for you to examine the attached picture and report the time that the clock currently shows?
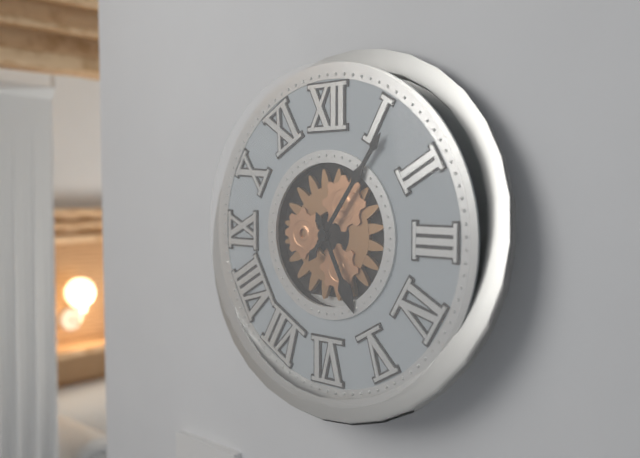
5:06
